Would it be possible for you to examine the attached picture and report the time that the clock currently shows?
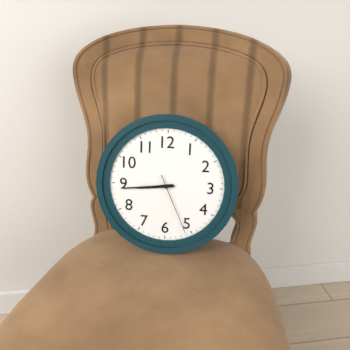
8:44:26
